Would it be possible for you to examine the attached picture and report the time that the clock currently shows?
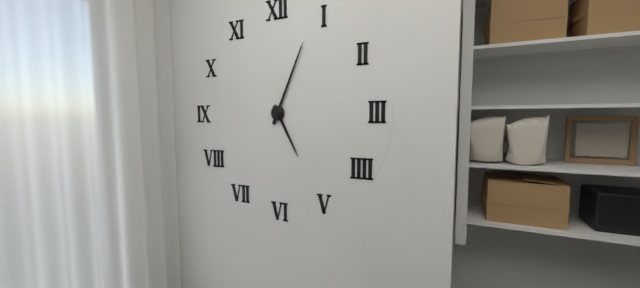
5:04
